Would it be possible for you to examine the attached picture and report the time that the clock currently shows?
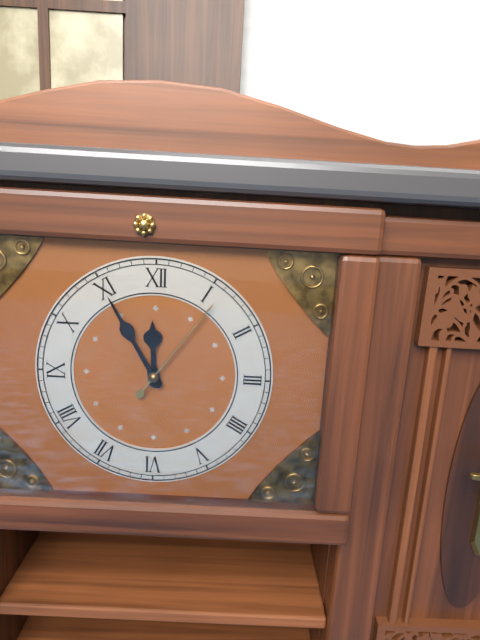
11:55:06
